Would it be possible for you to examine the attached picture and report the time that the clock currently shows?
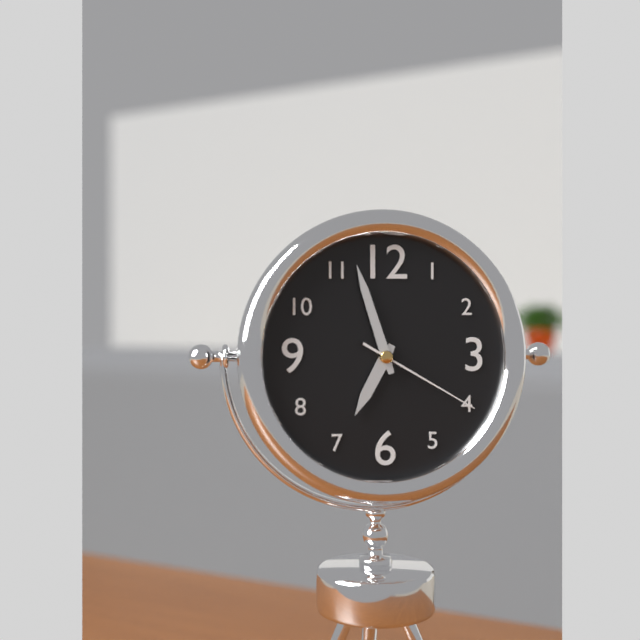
6:57:20
